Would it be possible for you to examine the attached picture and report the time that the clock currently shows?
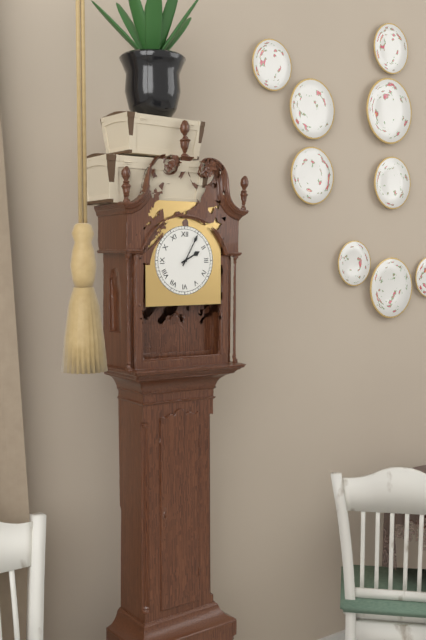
2:05
